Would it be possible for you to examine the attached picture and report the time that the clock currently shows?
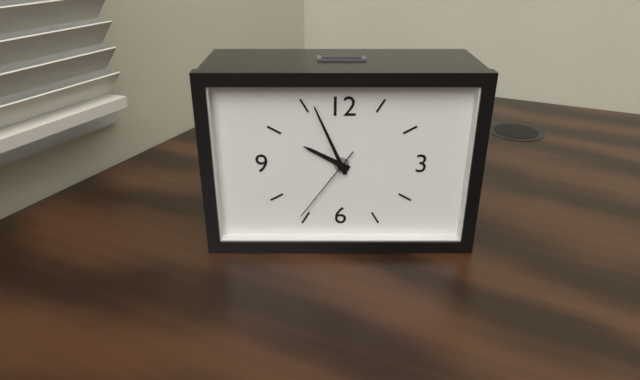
9:56:36
